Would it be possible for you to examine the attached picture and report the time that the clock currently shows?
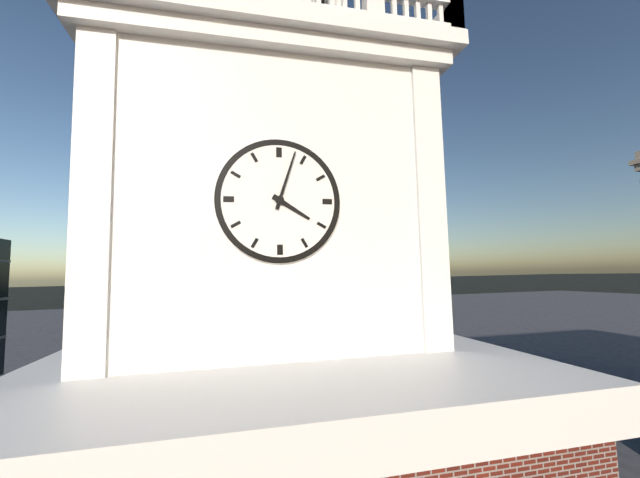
4:03
